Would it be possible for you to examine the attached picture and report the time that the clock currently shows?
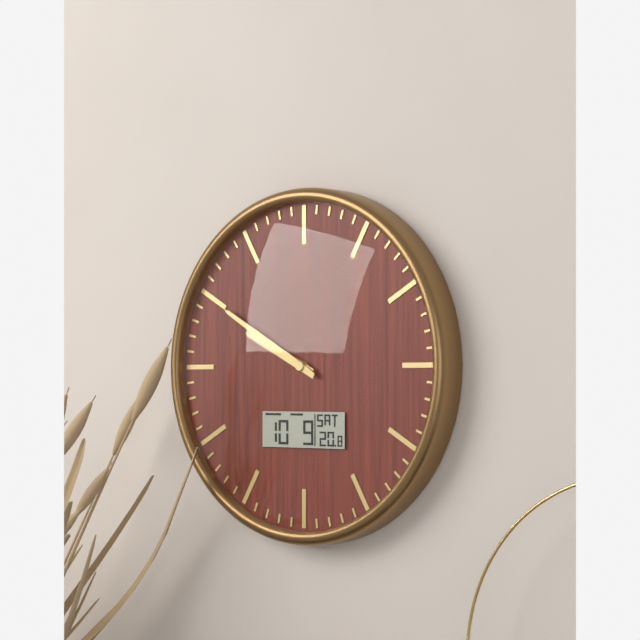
9:50
